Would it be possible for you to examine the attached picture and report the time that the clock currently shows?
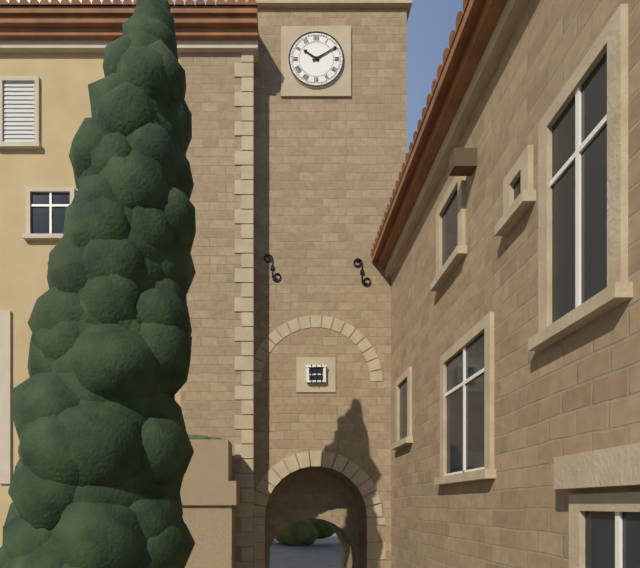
10:10
